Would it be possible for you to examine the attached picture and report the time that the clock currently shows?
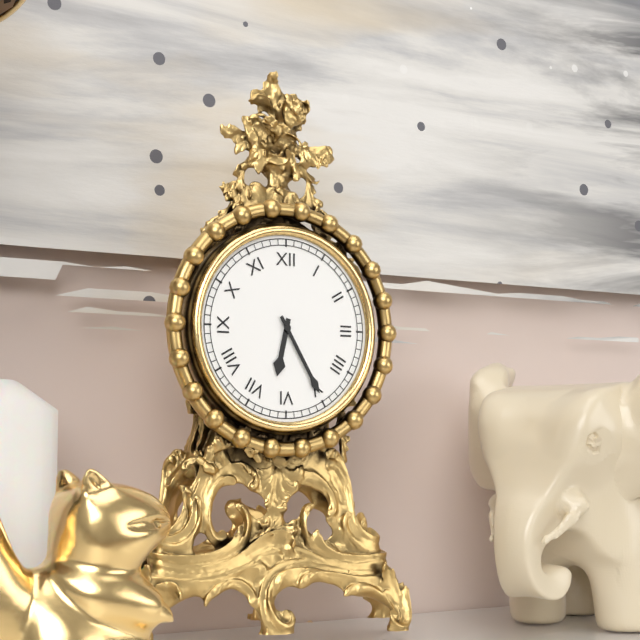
6:25
